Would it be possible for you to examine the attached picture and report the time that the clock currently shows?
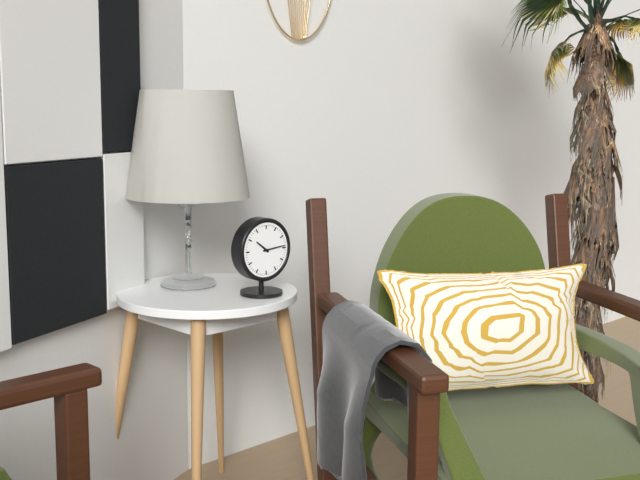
10:14
